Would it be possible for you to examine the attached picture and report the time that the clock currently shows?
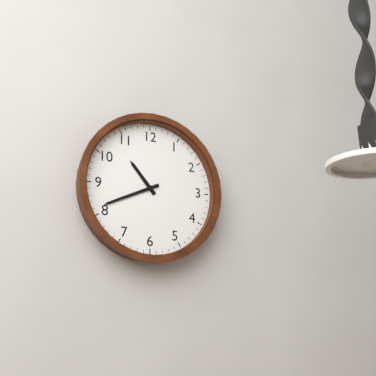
10:41
